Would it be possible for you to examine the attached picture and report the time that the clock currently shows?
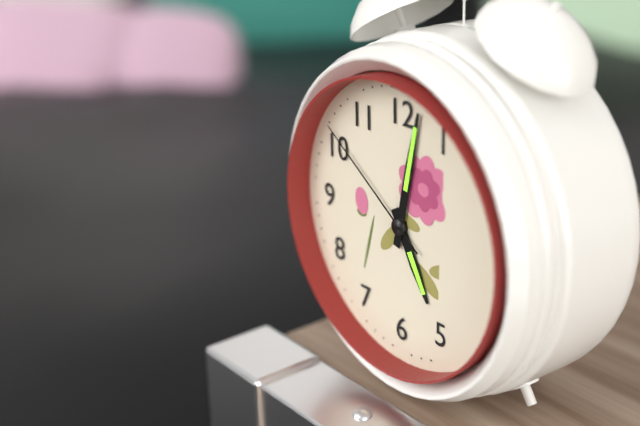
5:02:51
